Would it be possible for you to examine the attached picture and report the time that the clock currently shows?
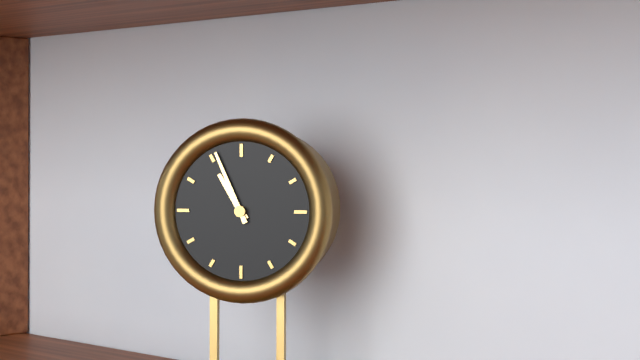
10:56
